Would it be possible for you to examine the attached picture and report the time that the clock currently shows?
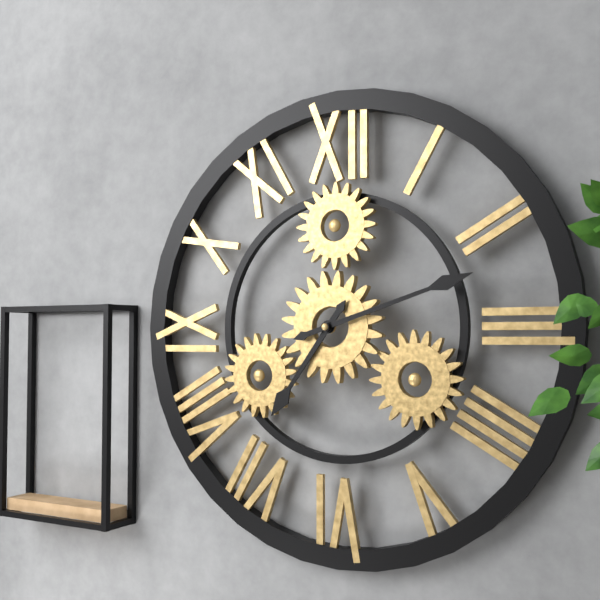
7:12
